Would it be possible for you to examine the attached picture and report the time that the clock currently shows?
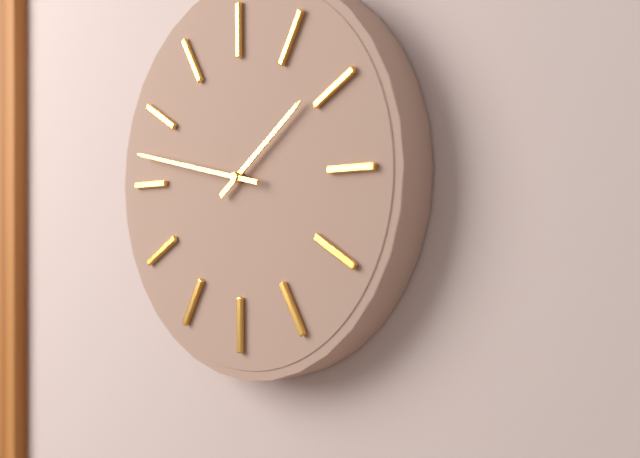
1:47
